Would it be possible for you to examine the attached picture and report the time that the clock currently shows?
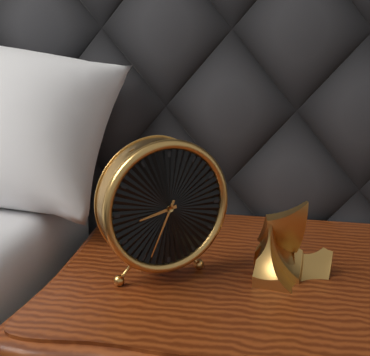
8:34
